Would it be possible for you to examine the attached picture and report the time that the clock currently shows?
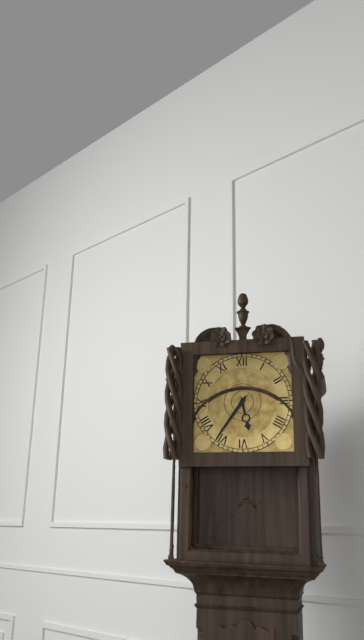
5:36
